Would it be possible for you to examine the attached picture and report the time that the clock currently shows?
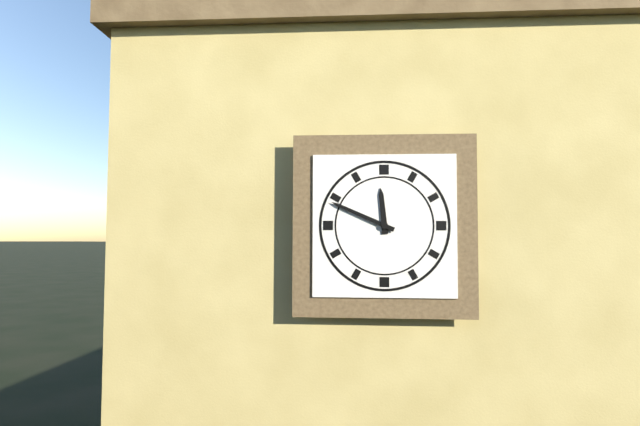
11:49
